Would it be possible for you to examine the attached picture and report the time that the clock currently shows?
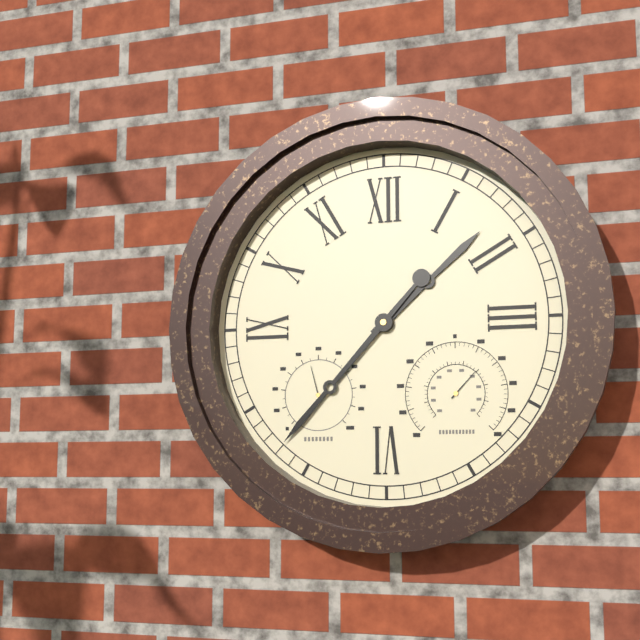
1:37
